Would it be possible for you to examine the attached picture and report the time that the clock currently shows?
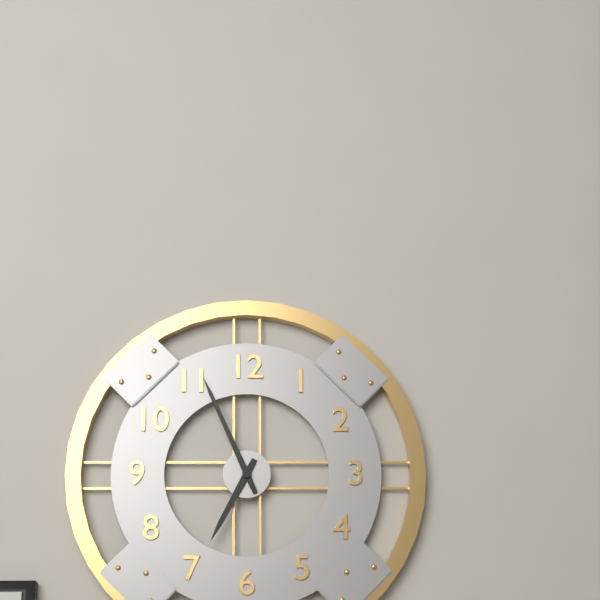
6:56
